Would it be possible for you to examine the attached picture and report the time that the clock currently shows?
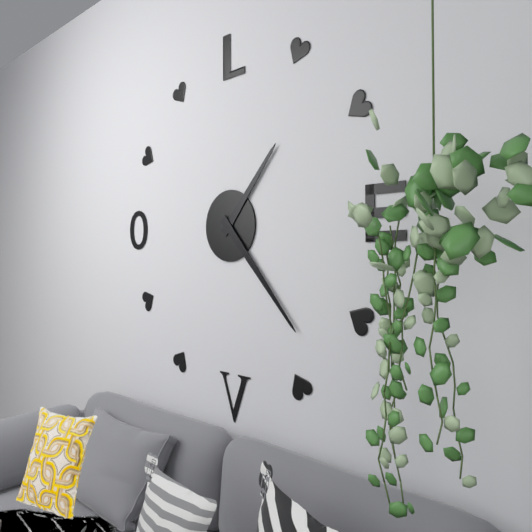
1:23
